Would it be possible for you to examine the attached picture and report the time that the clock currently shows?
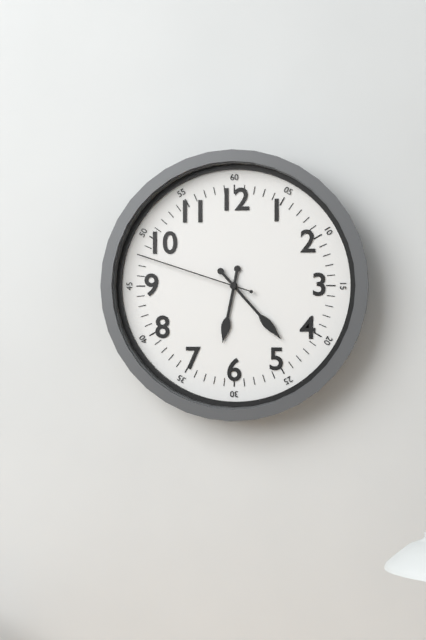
6:23:48
